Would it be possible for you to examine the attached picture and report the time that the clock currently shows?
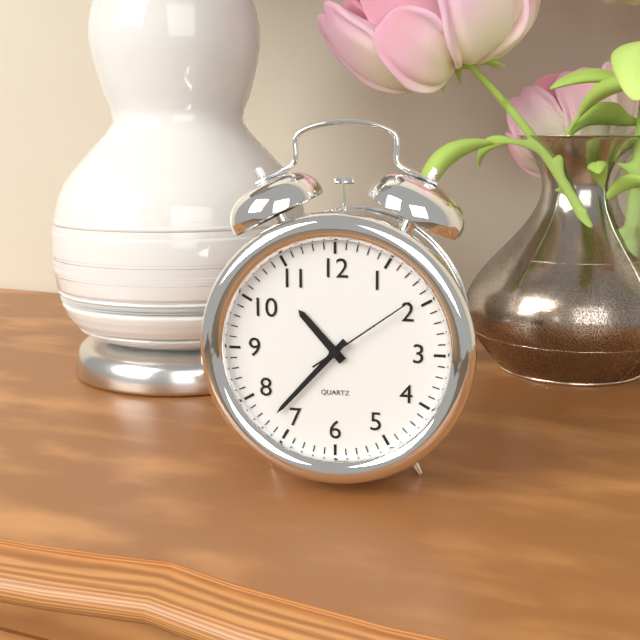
10:37:09
